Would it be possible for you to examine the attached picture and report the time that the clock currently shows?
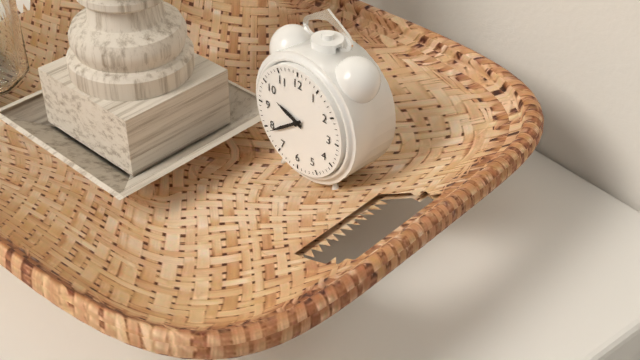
9:39
